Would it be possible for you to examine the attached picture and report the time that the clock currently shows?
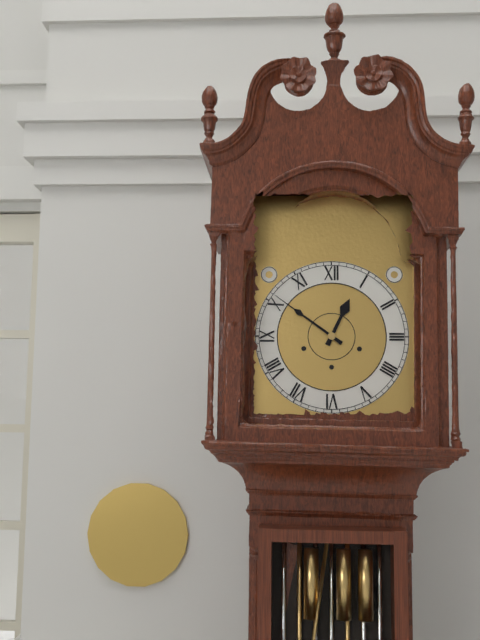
12:51
